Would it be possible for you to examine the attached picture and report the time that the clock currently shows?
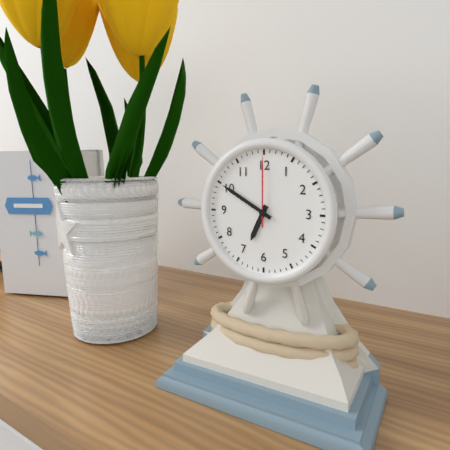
6:50:00
